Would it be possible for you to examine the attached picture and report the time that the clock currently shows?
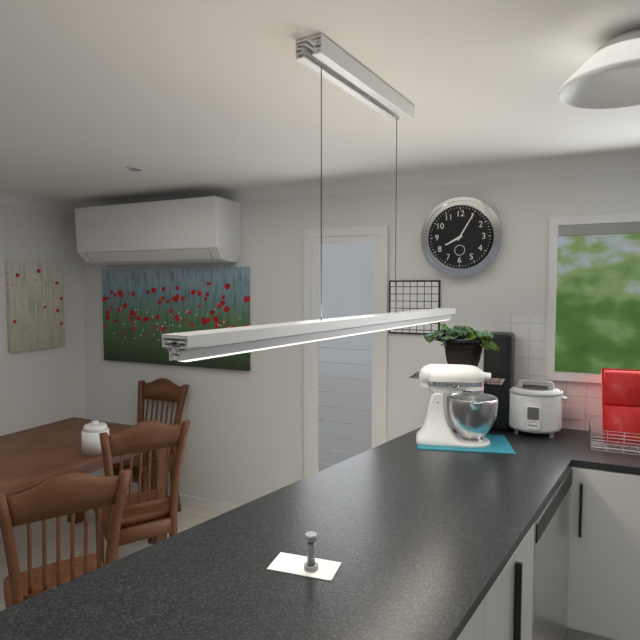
8:05
